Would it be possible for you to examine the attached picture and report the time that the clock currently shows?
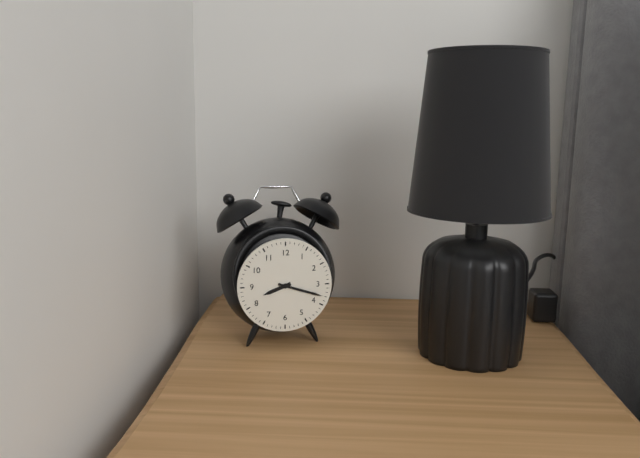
8:18
